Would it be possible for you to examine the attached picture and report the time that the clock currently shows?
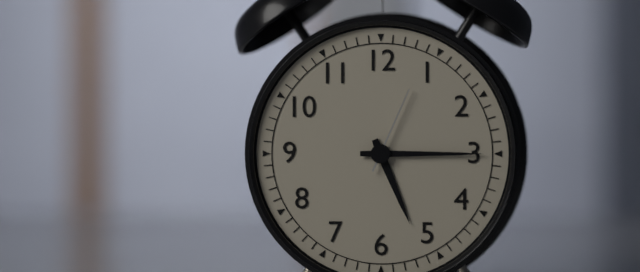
5:15:04
